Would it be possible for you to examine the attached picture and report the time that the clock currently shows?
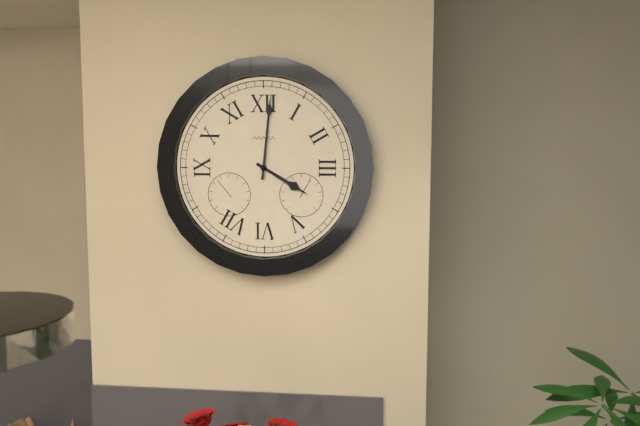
4:01
